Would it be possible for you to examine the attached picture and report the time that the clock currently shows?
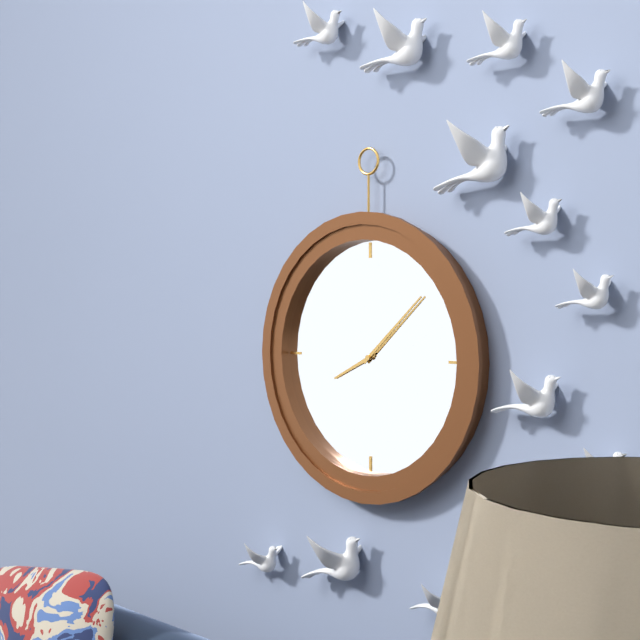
8:08
